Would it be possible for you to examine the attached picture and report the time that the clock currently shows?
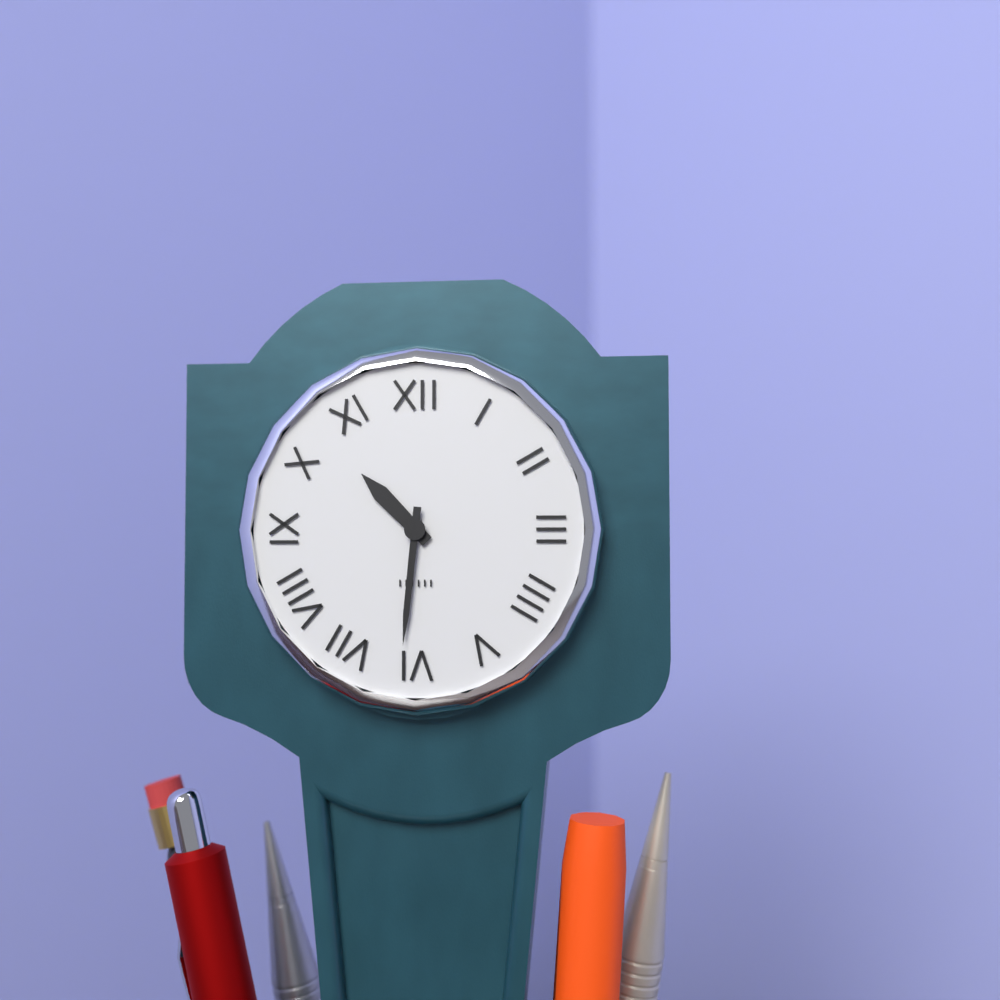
10:31
